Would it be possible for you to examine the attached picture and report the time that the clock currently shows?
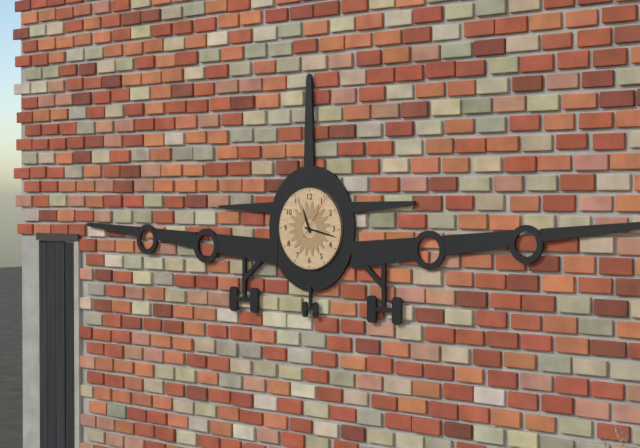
11:17
